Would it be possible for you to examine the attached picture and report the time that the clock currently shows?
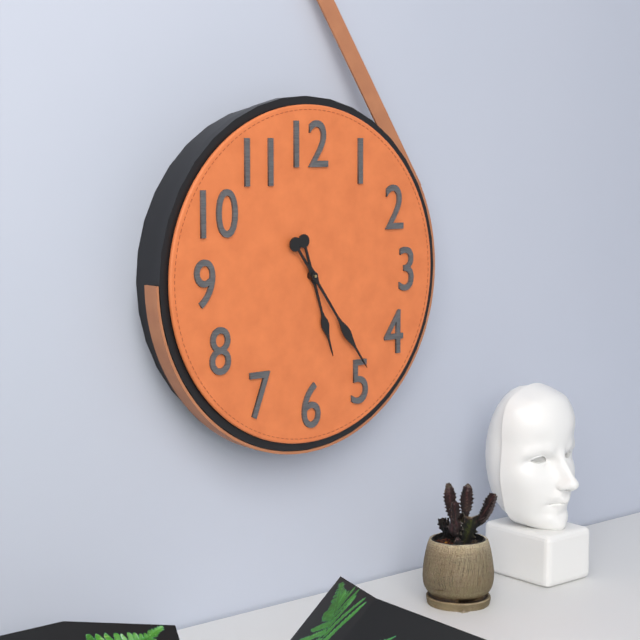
5:24
